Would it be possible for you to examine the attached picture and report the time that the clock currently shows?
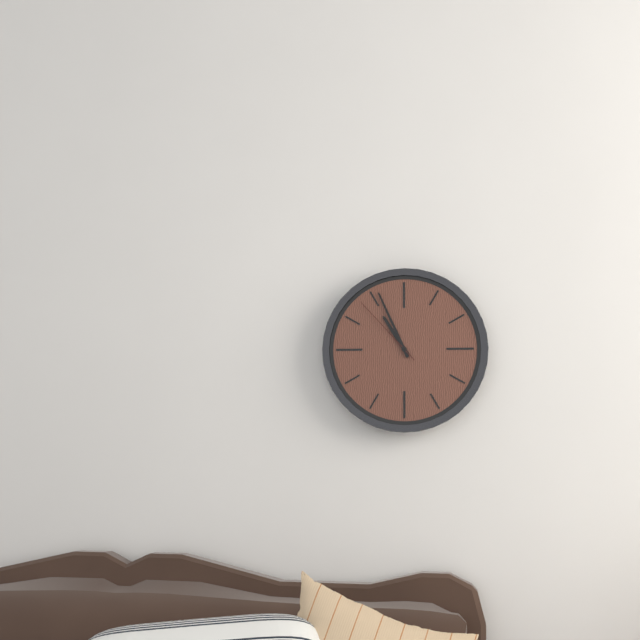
10:56:53
